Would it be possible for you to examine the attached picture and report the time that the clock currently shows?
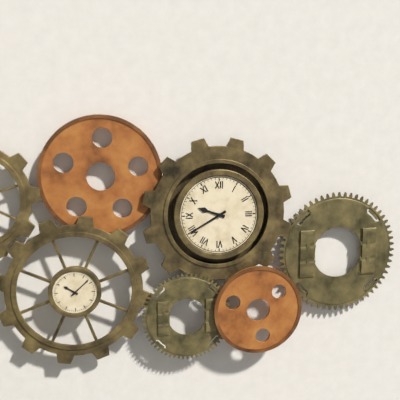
9:40
